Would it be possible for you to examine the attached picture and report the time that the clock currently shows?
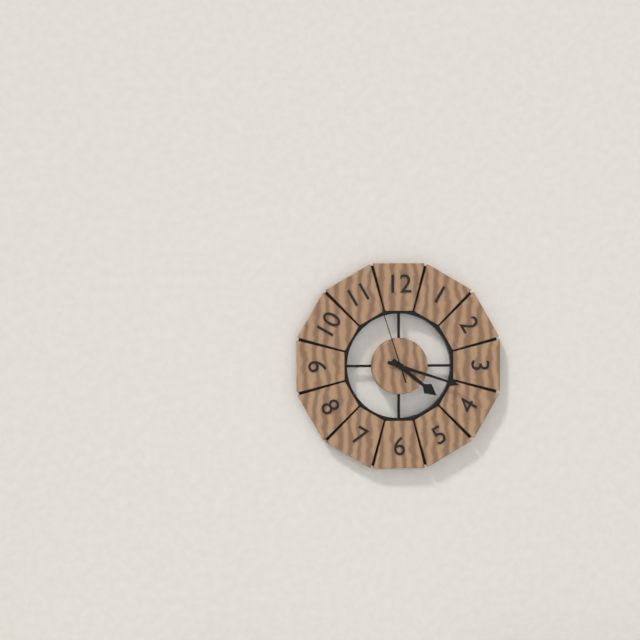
4:18:57
